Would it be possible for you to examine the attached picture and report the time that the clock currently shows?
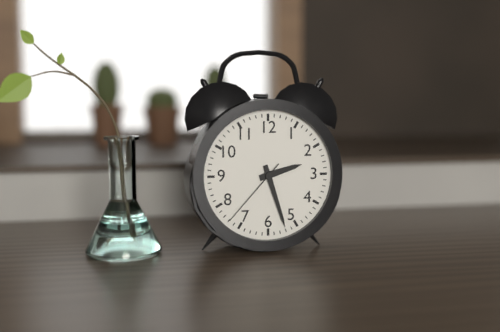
2:27:37
